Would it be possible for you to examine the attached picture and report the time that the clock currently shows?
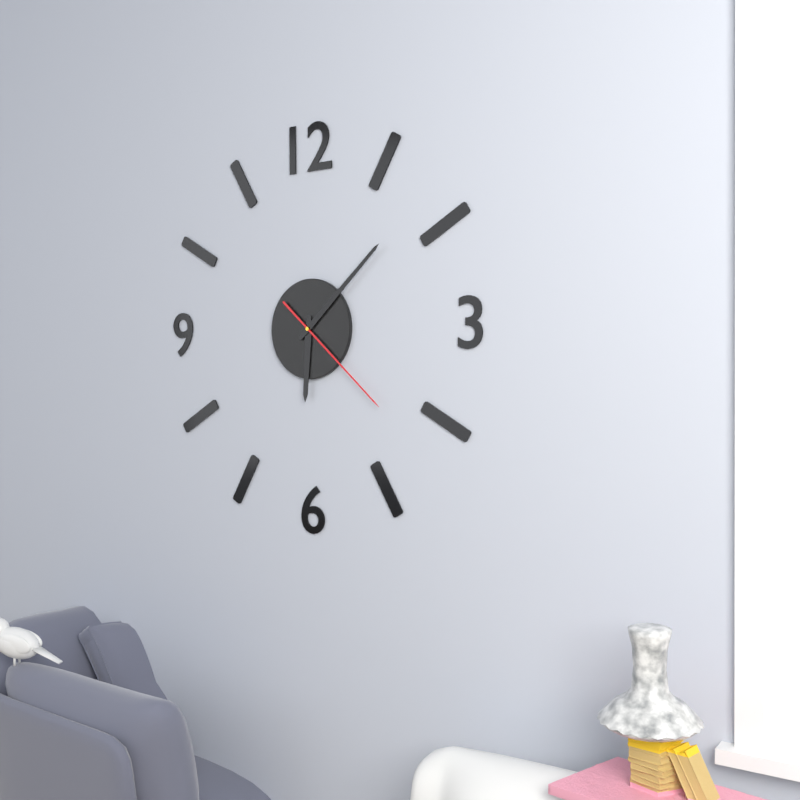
6:08:22
